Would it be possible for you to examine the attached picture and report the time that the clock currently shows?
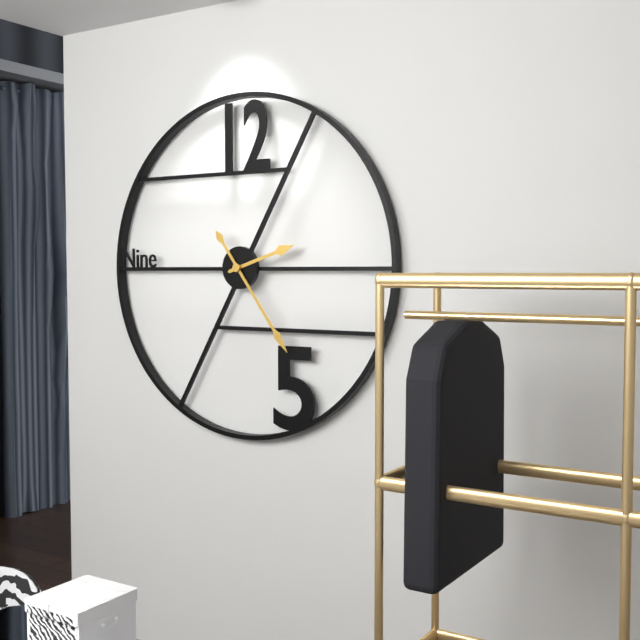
2:24
